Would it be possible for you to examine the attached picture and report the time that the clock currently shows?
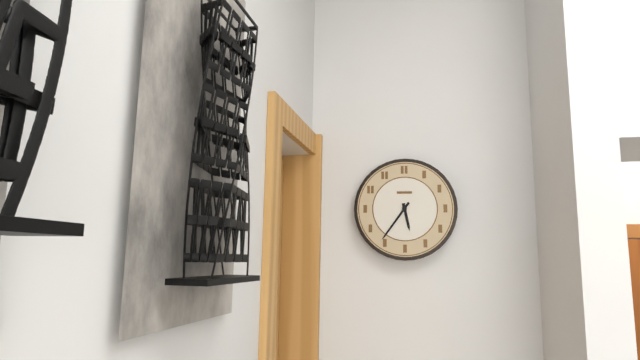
5:36
